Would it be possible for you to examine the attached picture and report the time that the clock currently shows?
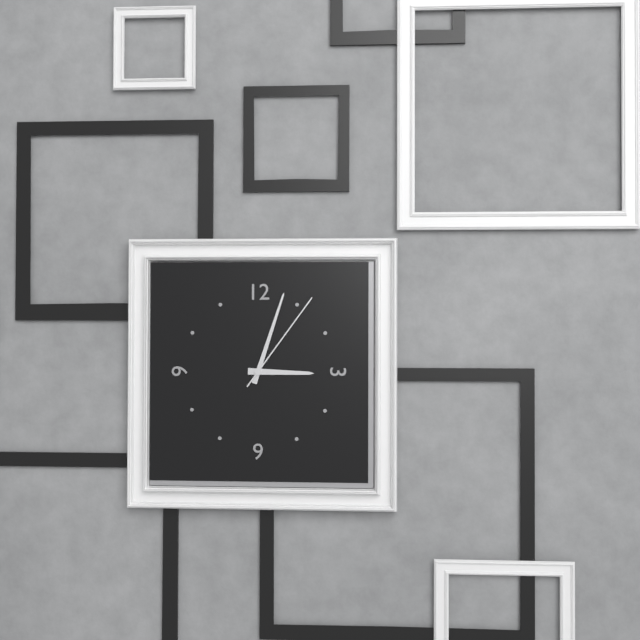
3:03:06
